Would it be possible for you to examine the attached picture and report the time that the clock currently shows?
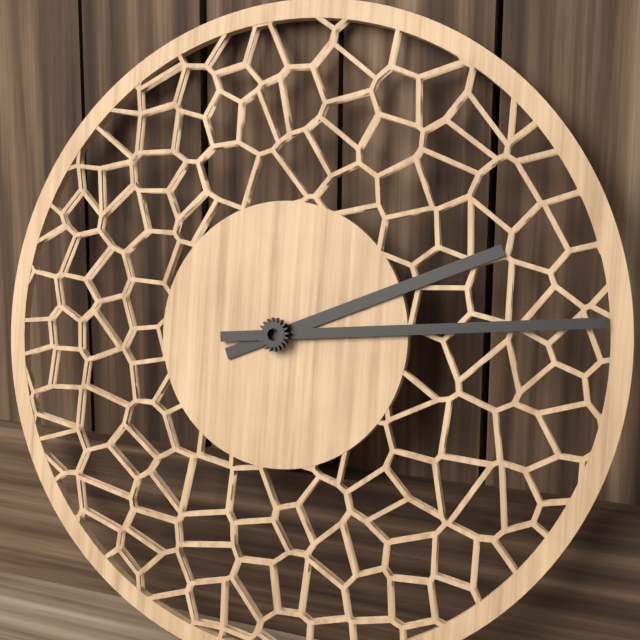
2:14
